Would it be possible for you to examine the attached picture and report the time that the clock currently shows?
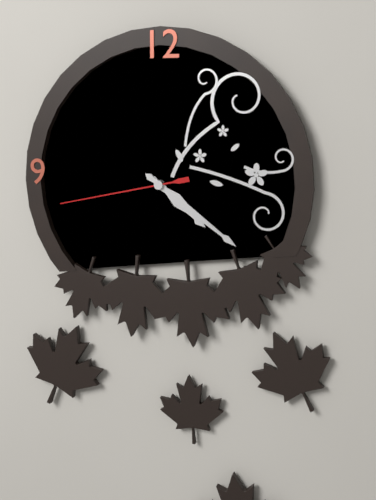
4:21:43
